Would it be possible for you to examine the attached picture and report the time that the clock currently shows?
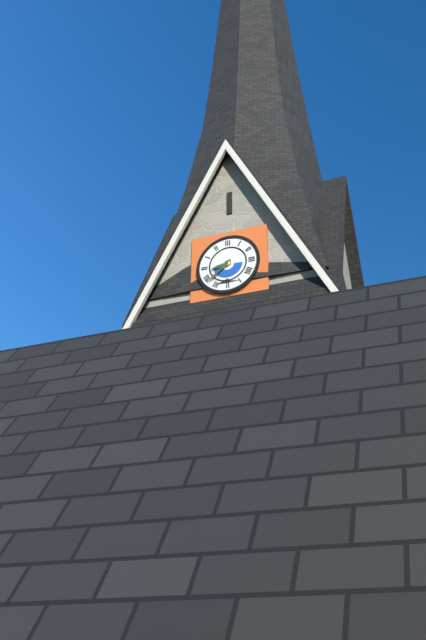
8:38
